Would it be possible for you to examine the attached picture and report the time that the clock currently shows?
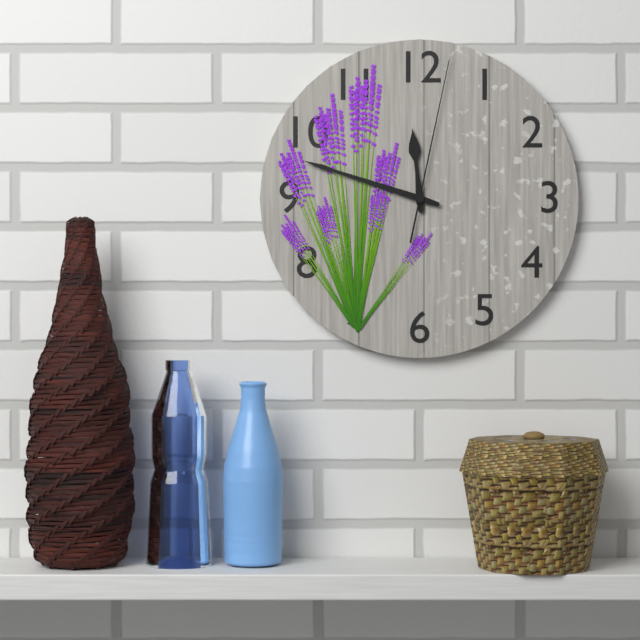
11:48:02
